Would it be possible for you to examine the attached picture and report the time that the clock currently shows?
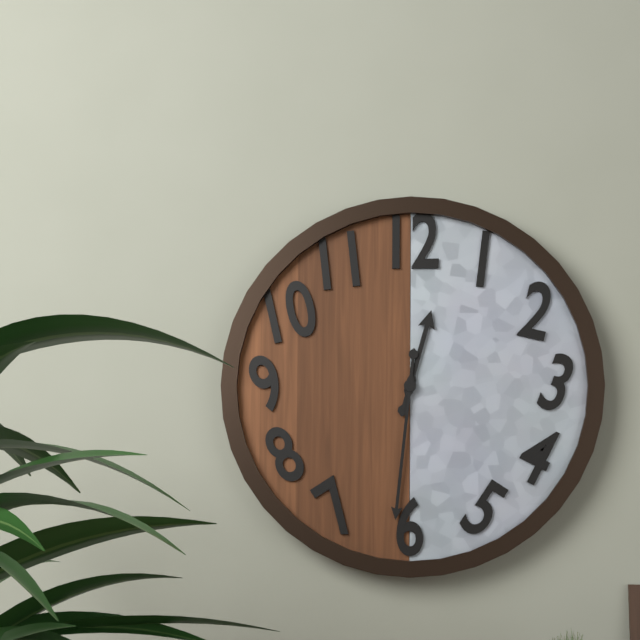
12:31
